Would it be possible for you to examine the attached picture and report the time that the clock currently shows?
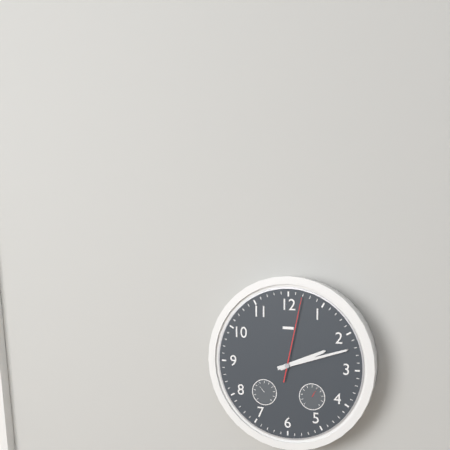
2:12:02
